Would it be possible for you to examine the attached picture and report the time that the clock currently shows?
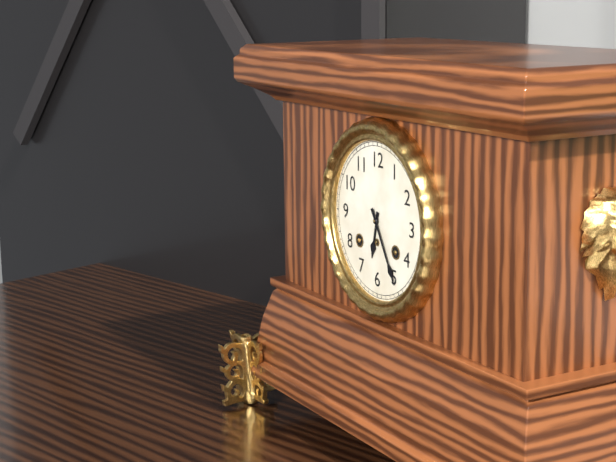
6:25
